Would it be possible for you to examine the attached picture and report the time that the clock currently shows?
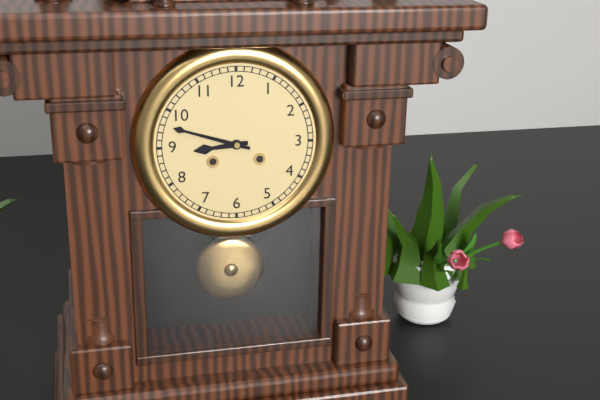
8:48
